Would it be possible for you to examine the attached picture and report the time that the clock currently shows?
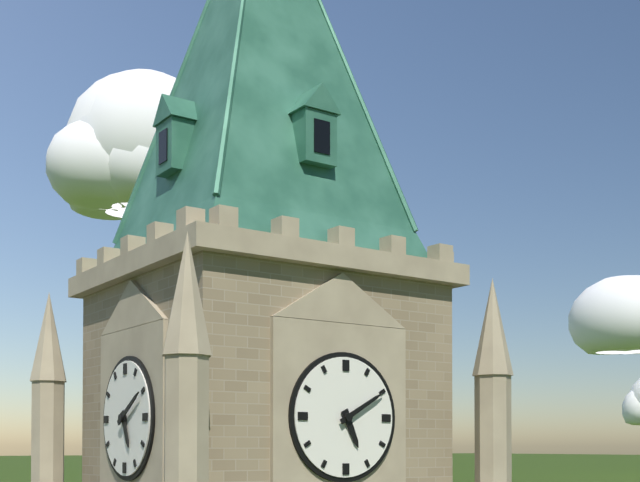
5:10
